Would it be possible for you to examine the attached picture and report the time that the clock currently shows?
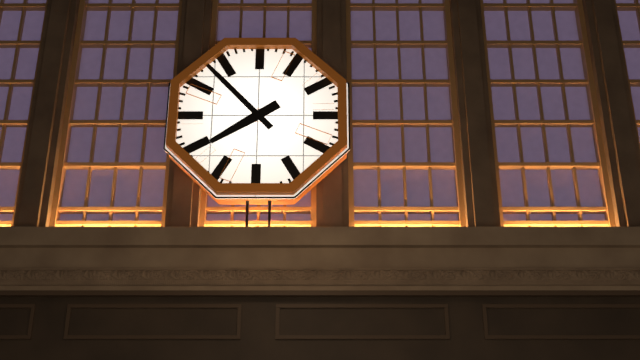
7:53
